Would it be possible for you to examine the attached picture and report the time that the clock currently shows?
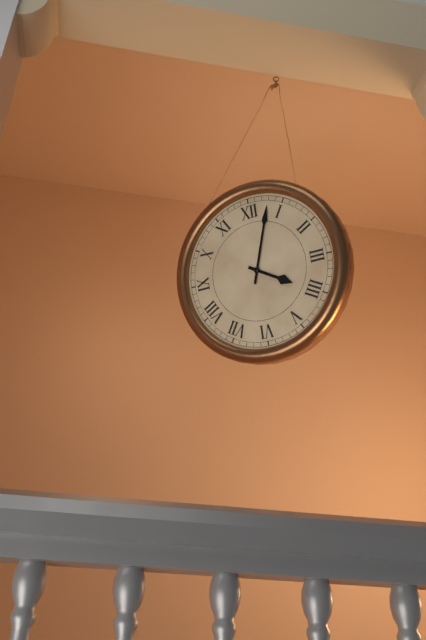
4:03
